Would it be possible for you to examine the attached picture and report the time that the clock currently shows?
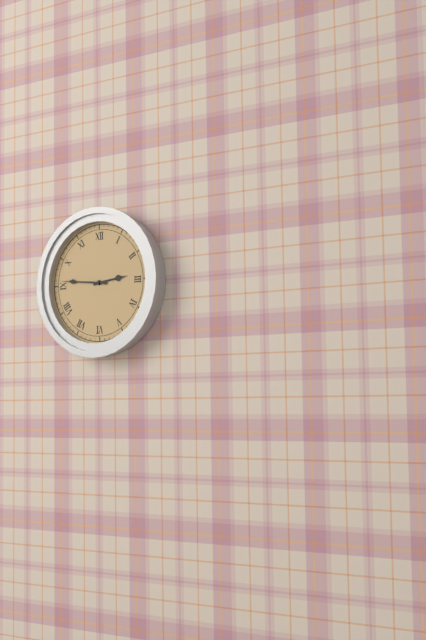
2:46
